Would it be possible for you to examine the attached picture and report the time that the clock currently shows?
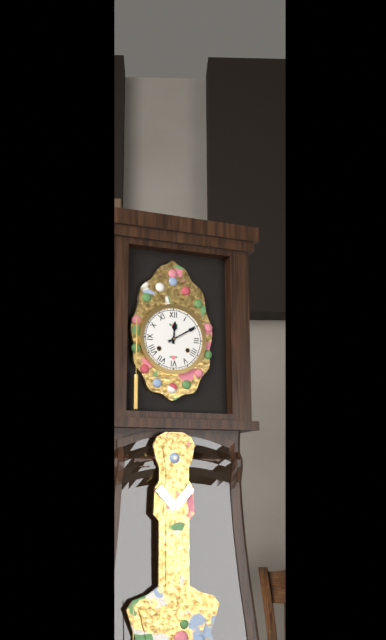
12:10
